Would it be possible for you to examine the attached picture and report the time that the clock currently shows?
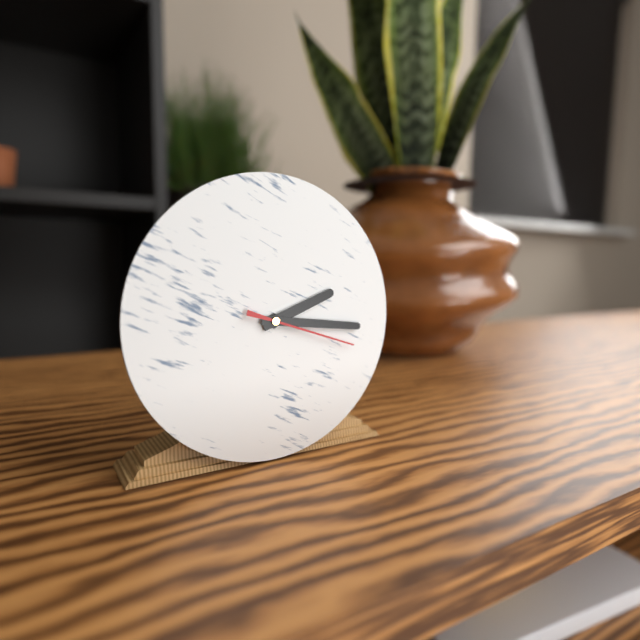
2:16:18
